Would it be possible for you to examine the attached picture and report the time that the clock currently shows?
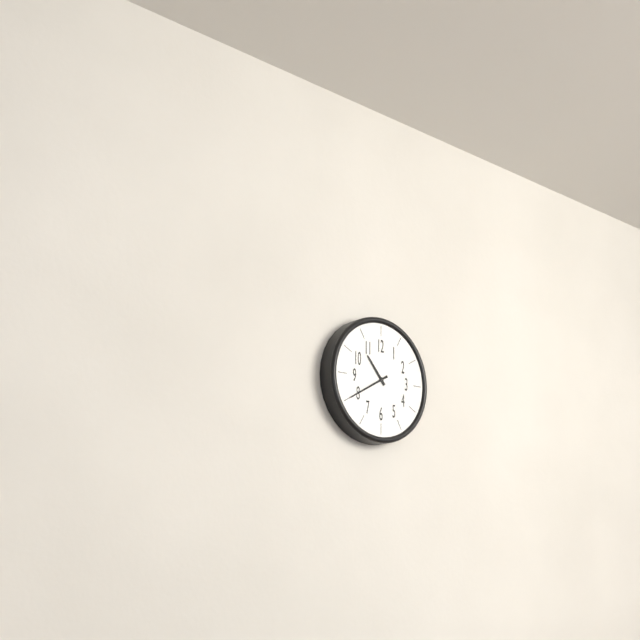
10:40
